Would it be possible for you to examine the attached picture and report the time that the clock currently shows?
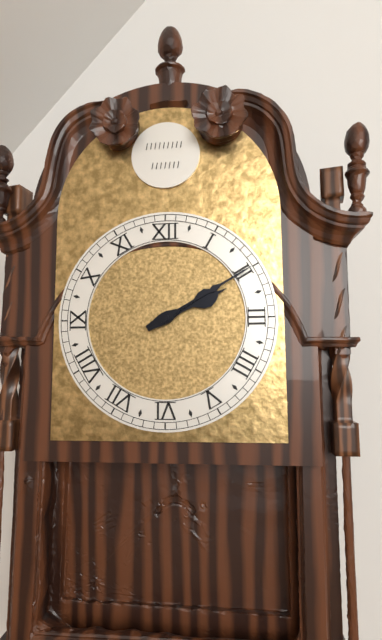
2:10
